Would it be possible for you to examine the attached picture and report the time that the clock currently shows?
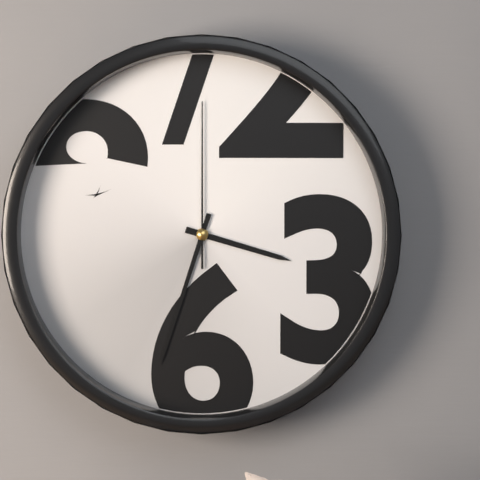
3:33:00
